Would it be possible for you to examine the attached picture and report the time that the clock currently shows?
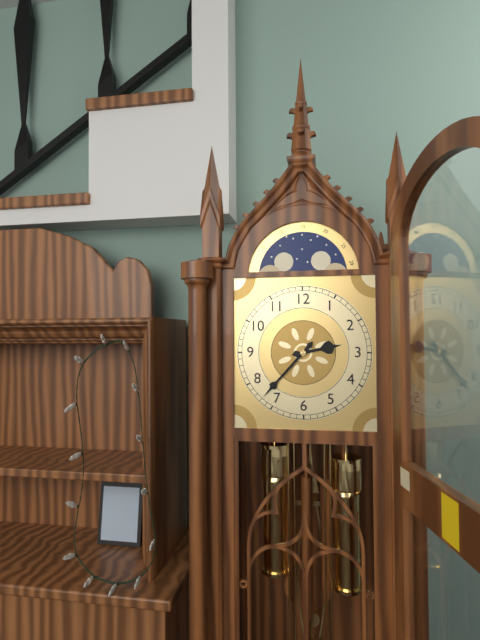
2:37
